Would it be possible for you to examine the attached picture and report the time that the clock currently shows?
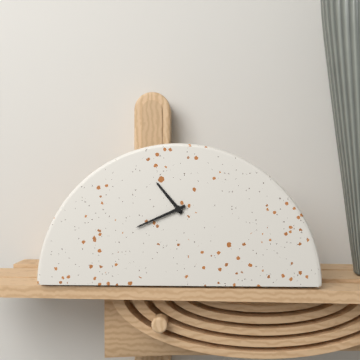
10:41
